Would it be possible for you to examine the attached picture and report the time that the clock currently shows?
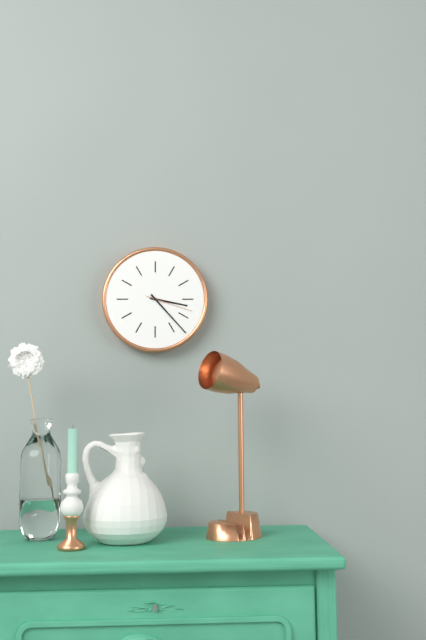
3:23
